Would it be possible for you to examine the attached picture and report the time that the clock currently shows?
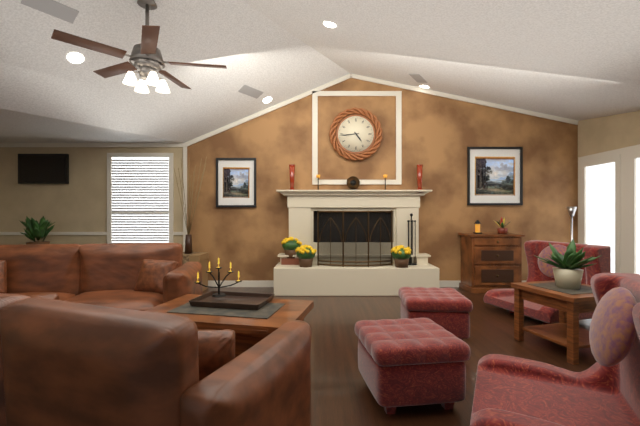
4:44
